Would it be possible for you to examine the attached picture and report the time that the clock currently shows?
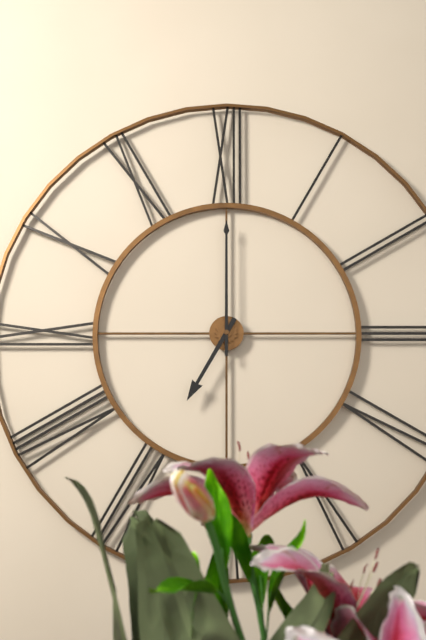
7:00
